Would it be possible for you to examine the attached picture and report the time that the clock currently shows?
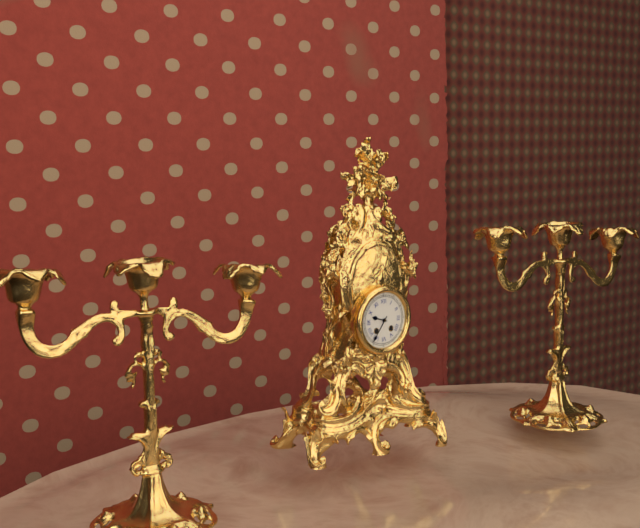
9:36
